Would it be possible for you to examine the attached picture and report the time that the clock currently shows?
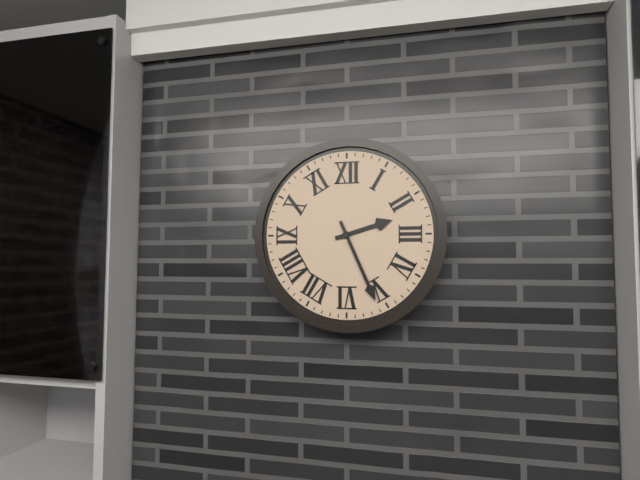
2:26
